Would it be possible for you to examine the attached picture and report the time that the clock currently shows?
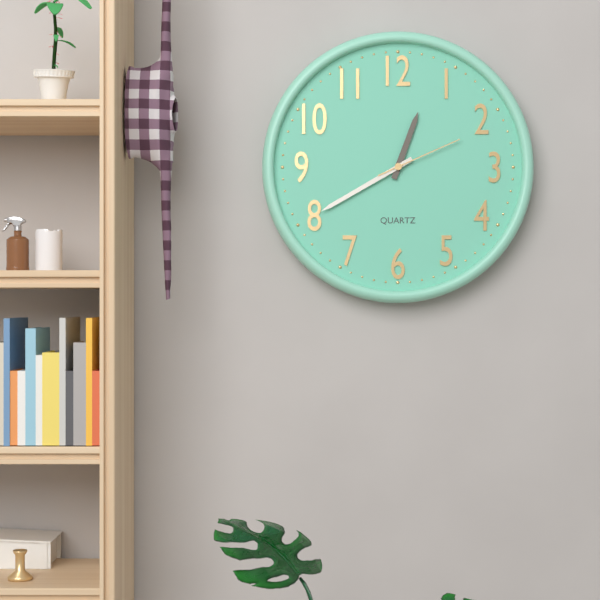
12:40:11
